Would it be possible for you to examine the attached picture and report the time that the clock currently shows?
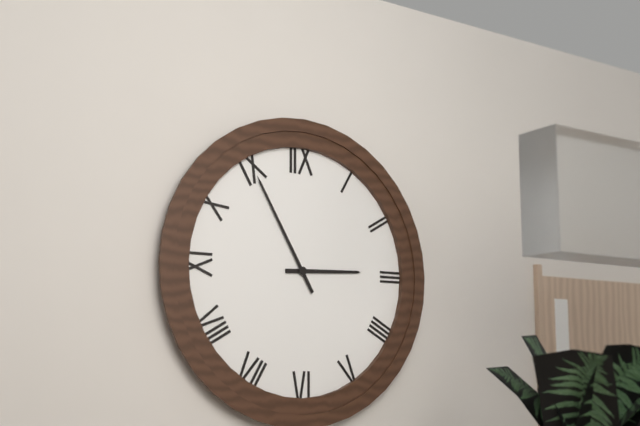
2:55
